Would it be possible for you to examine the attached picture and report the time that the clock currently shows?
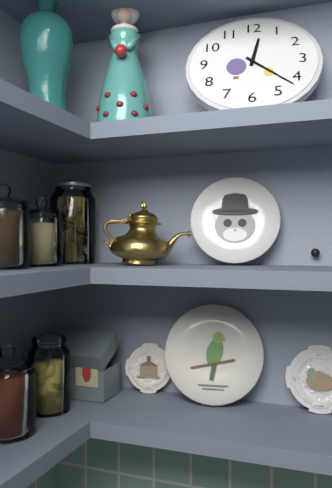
12:22
